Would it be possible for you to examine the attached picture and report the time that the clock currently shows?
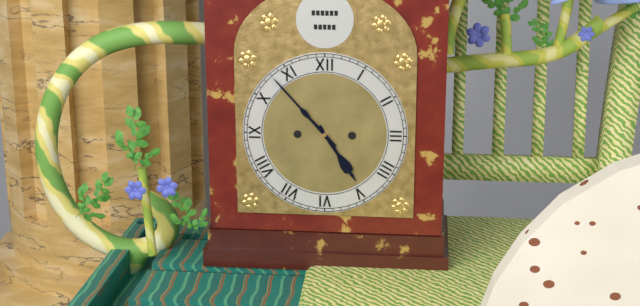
4:53
